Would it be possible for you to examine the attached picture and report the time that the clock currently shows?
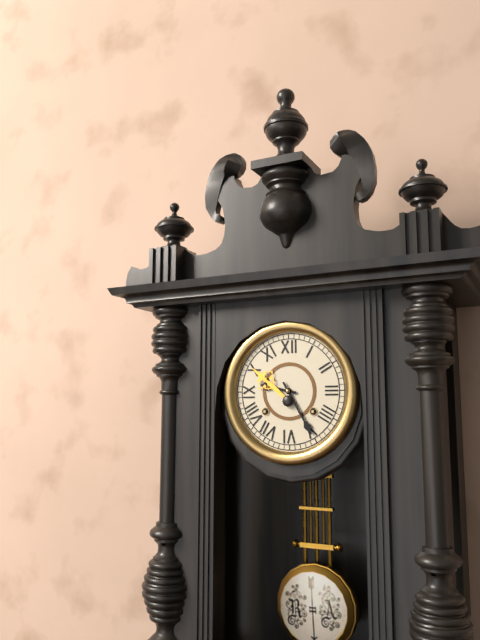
9:25
